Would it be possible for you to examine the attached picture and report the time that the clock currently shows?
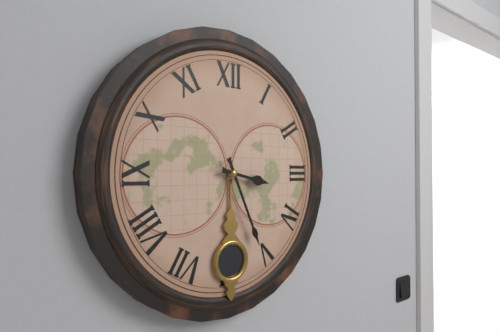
3:26
